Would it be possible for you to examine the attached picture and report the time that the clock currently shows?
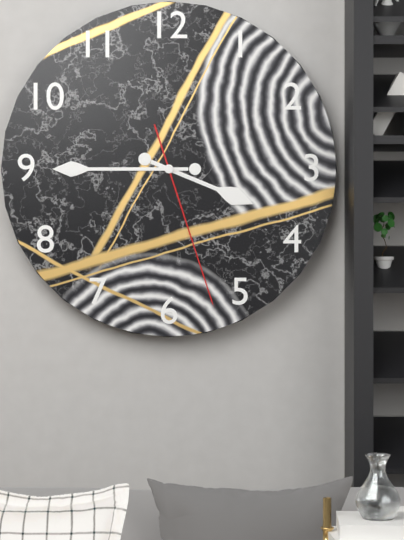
3:45:27
